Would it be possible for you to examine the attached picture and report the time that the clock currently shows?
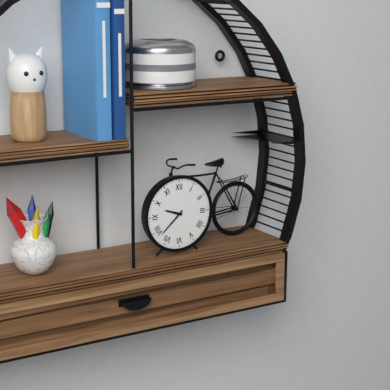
9:38
